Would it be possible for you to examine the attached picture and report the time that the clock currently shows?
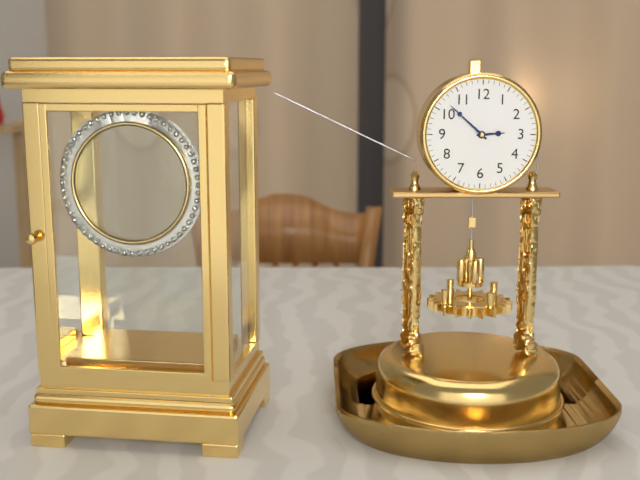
2:52
